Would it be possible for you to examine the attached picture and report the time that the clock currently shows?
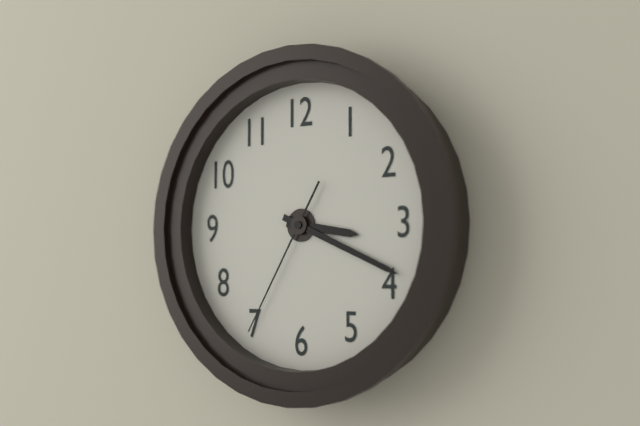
3:19:35
